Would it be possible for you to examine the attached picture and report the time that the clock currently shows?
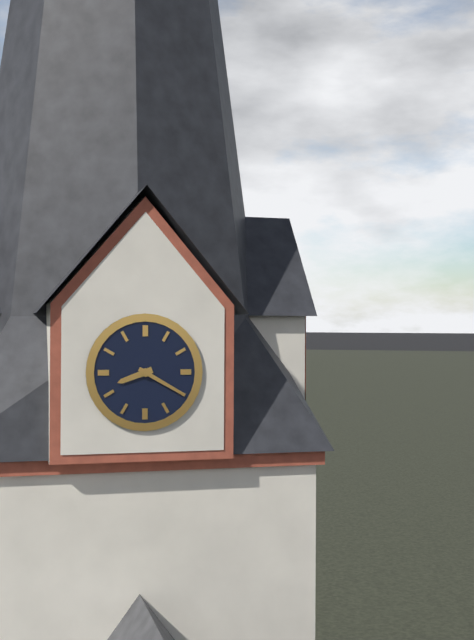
8:20
